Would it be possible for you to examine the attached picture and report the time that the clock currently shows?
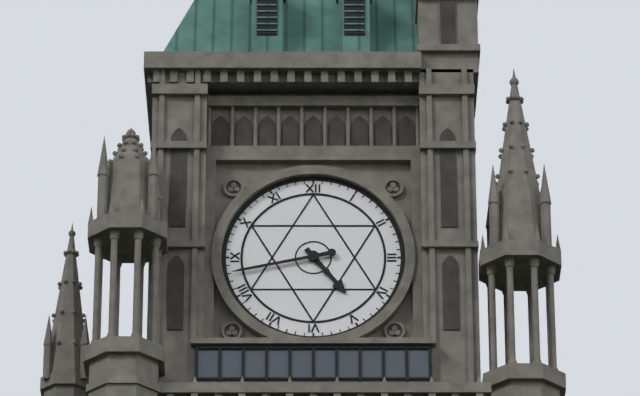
4:43
